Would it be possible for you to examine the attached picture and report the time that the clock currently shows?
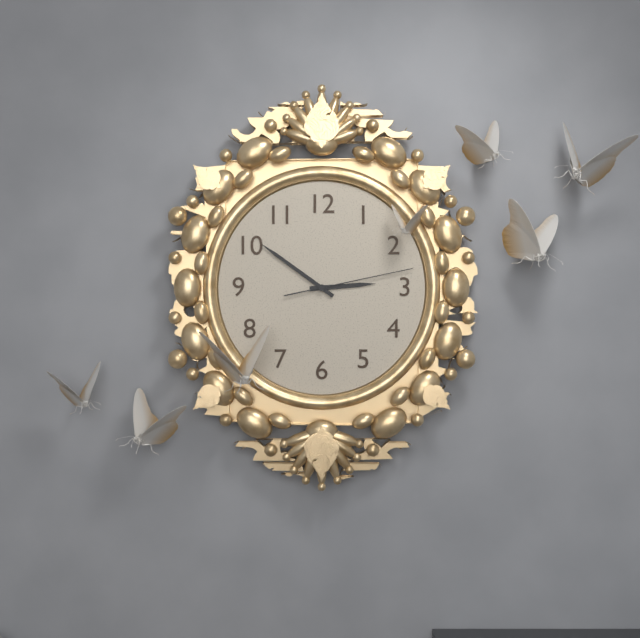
2:51:13
